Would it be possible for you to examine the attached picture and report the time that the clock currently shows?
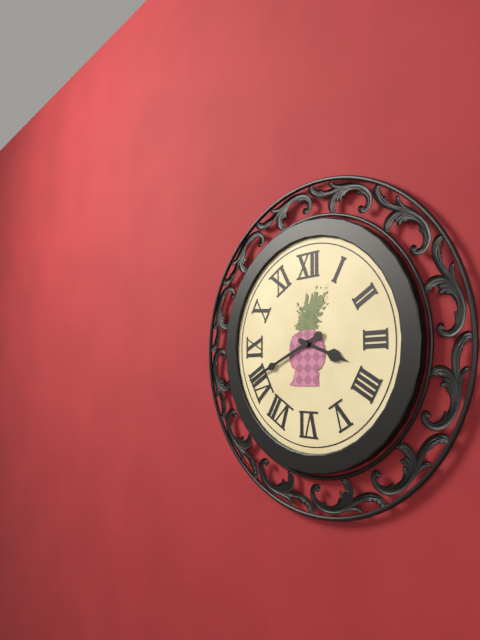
3:41
